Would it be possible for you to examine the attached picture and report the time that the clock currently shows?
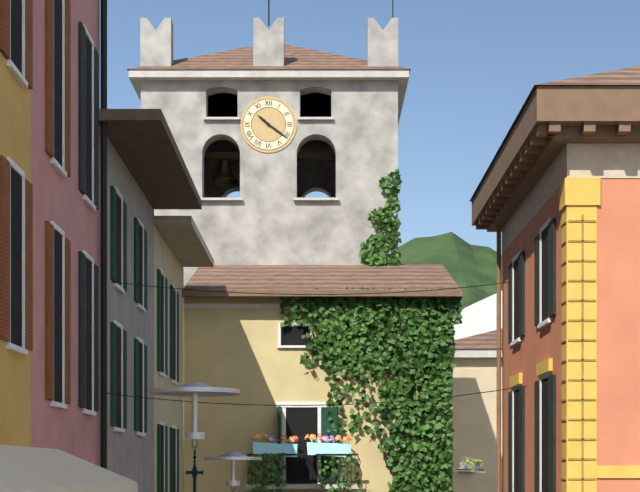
10:21
